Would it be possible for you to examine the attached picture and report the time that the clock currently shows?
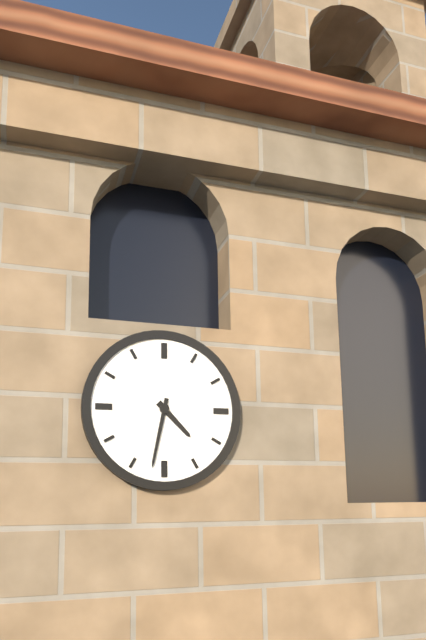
4:32
